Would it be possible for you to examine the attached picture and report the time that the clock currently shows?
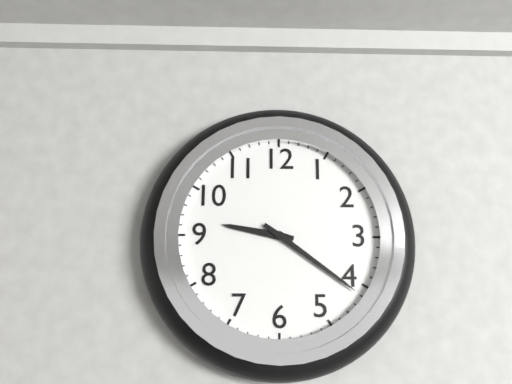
9:21
